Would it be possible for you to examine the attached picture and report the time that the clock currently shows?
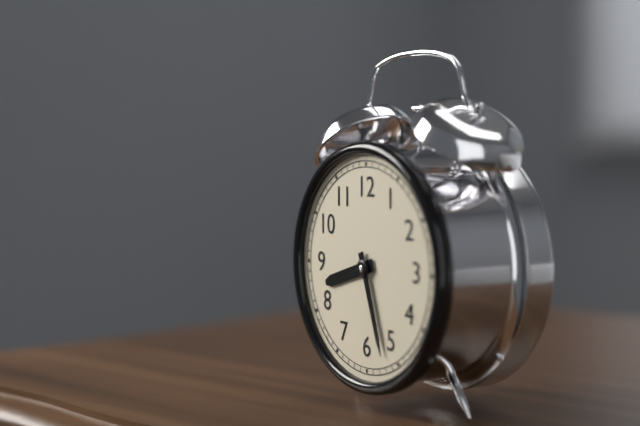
8:27
